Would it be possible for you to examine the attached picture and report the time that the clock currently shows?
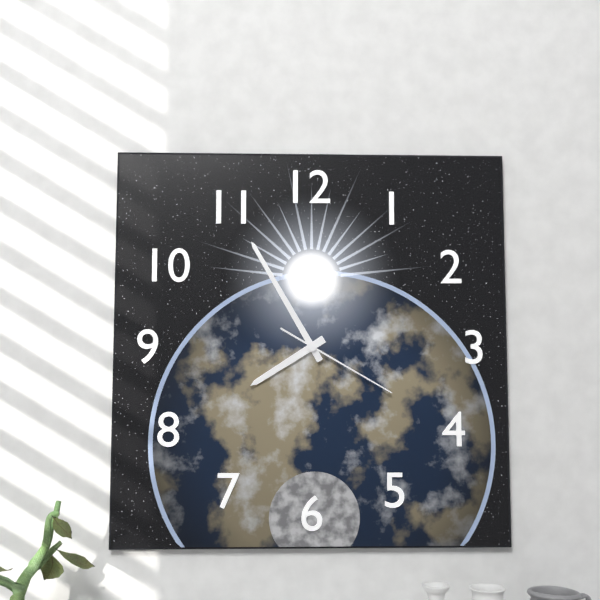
7:55:20
